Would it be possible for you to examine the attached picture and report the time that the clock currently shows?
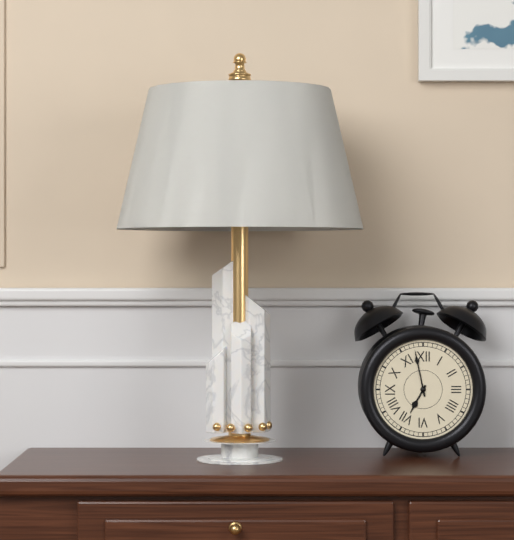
6:58
